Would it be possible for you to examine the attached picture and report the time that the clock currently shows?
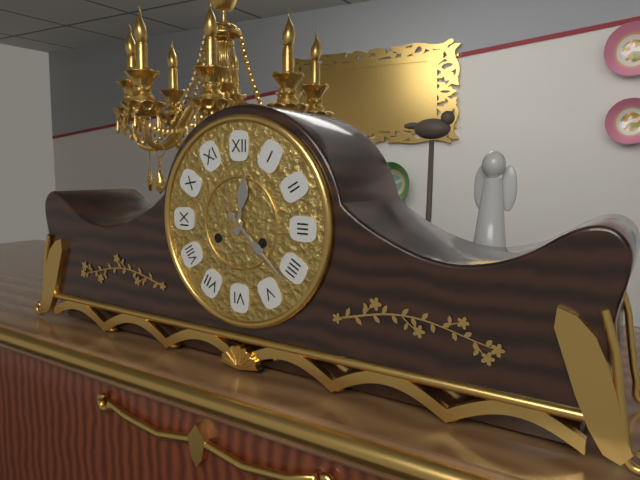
12:22
